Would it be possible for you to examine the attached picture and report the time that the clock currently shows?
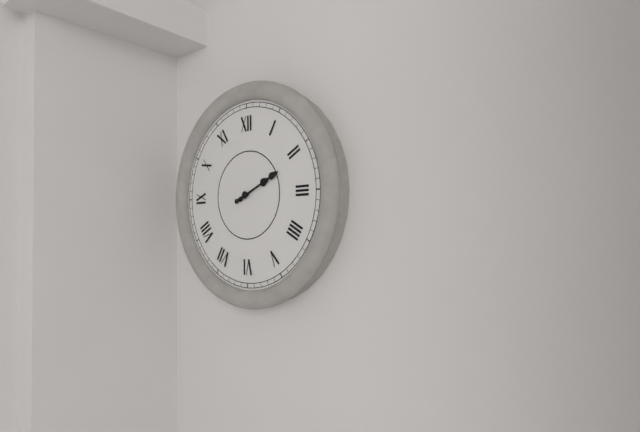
2:11
